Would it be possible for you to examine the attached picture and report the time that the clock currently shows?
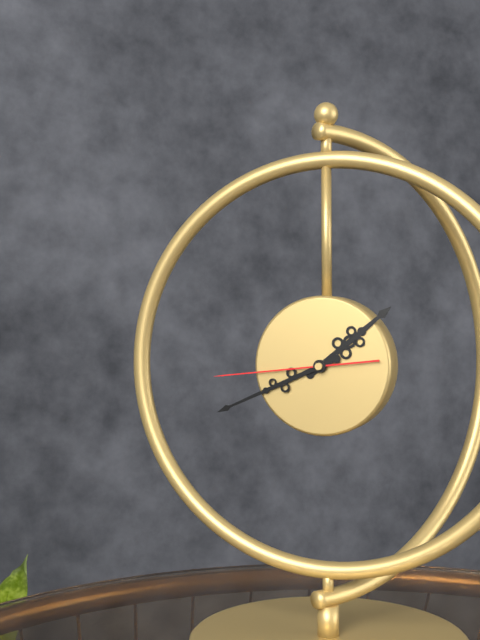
1:41:44
